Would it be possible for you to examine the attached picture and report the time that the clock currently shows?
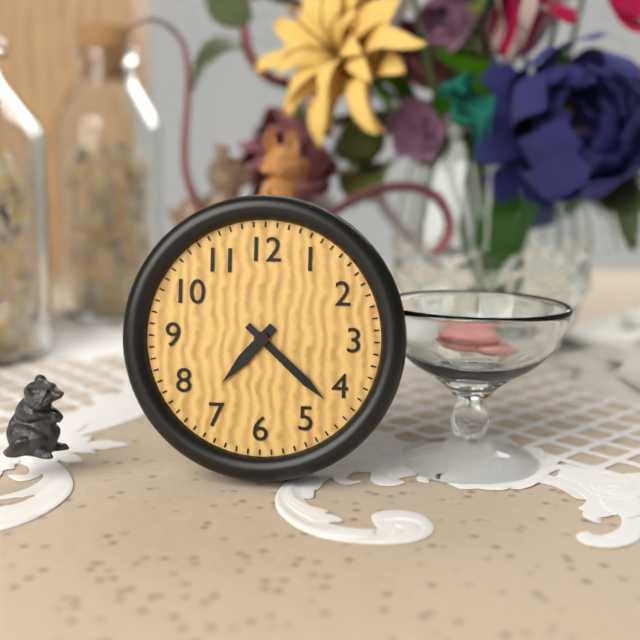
7:22
